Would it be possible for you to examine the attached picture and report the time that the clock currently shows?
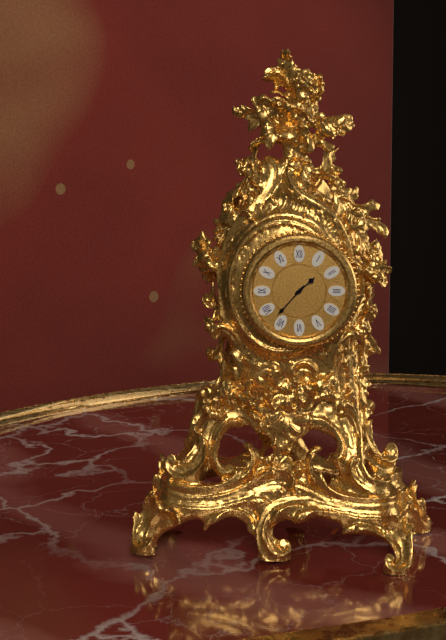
1:37
